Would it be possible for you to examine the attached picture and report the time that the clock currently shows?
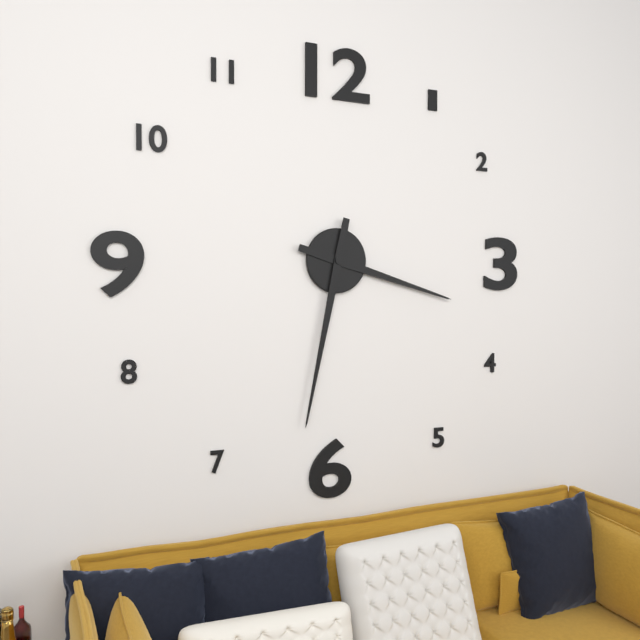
3:32
